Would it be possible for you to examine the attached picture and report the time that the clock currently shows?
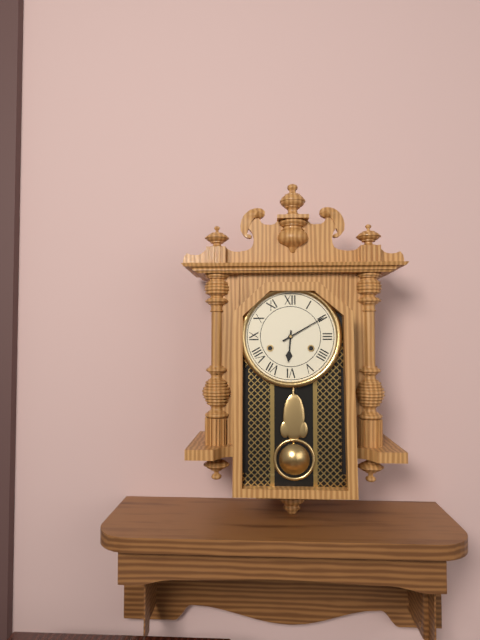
6:10
